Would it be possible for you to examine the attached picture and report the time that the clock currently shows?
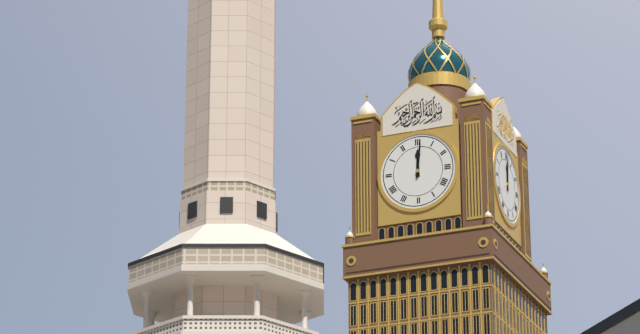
12:01
